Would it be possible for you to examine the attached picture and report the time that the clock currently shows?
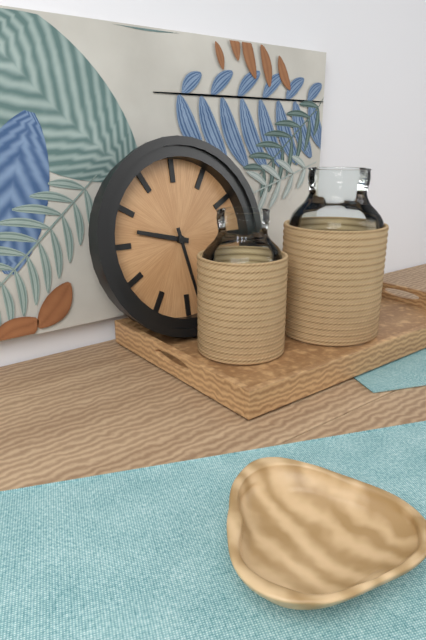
9:28
